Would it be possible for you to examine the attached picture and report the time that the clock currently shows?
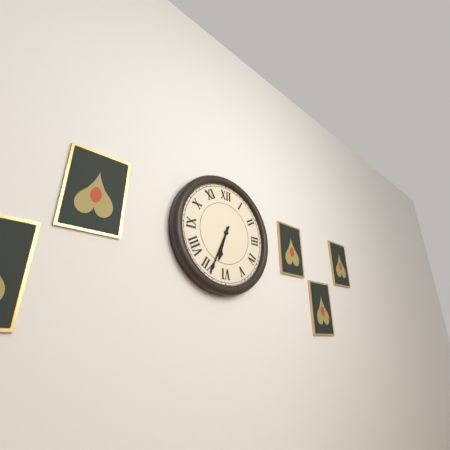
6:34
